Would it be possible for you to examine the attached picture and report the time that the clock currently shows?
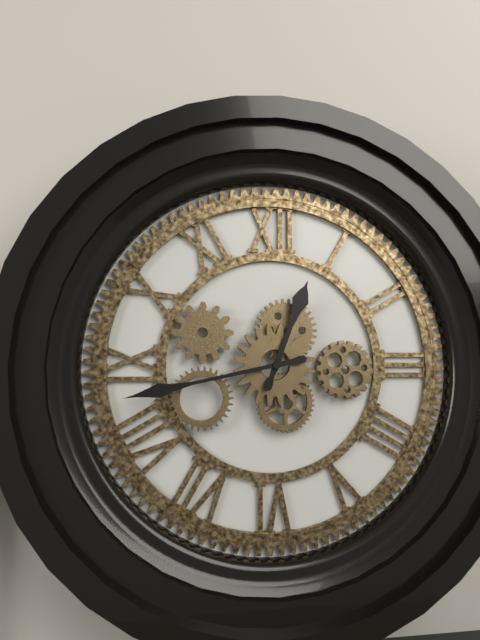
12:43
